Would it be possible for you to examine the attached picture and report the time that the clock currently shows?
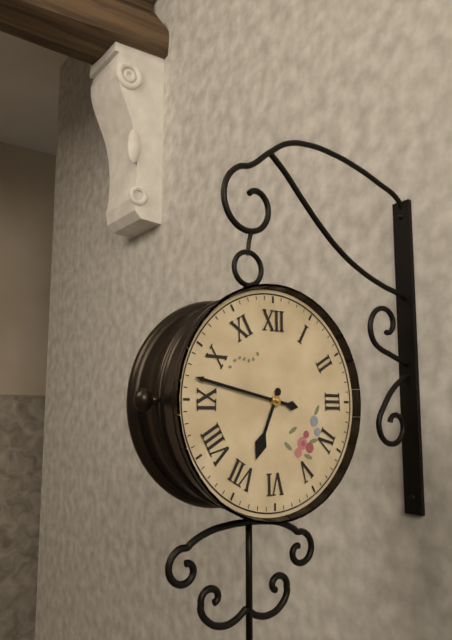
6:47
